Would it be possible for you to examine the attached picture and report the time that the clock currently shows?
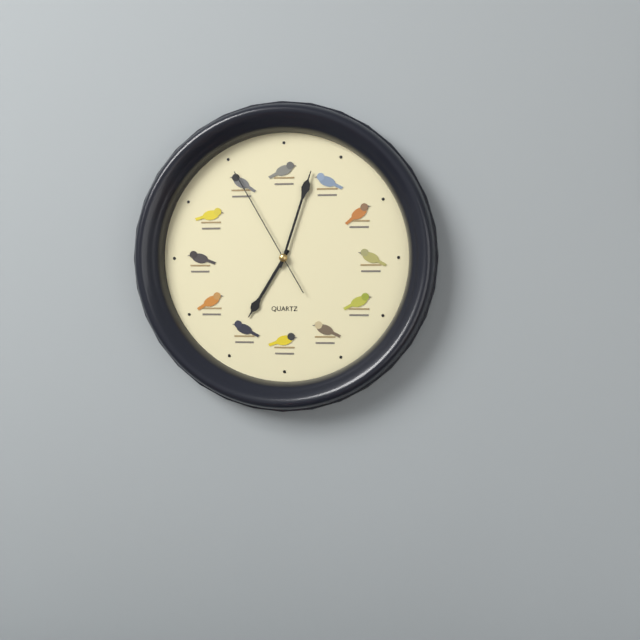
7:03:55
